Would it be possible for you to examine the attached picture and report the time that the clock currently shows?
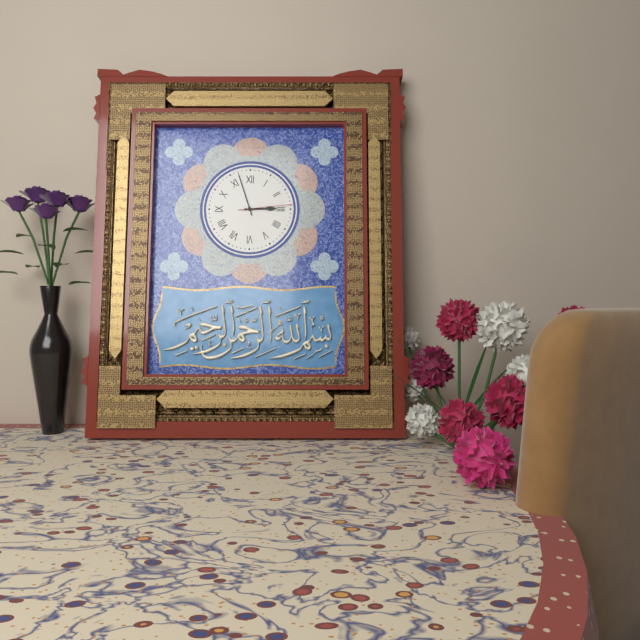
2:57:14
